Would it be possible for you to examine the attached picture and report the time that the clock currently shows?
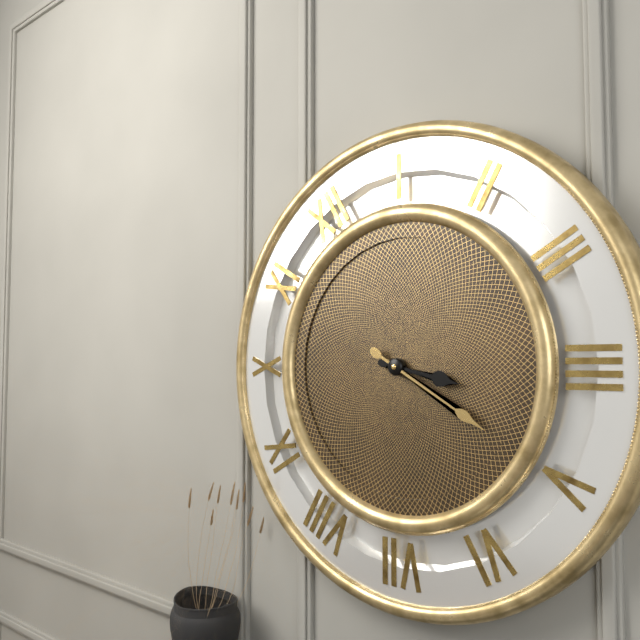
4:25
